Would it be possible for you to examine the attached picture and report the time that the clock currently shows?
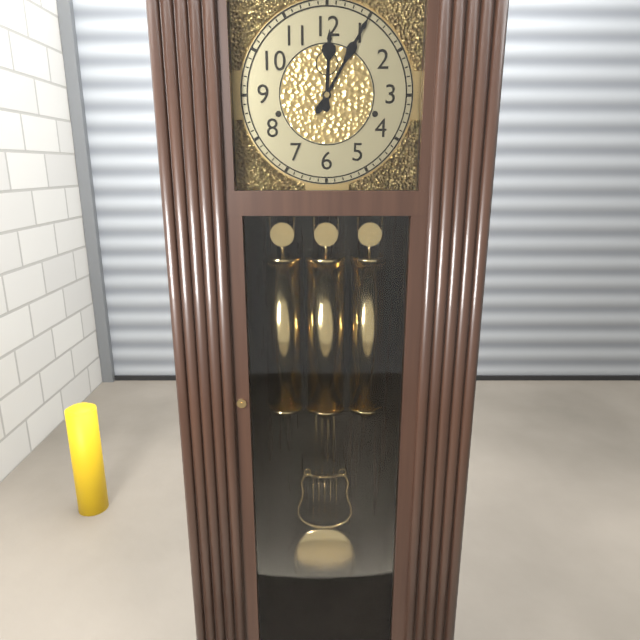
12:05
